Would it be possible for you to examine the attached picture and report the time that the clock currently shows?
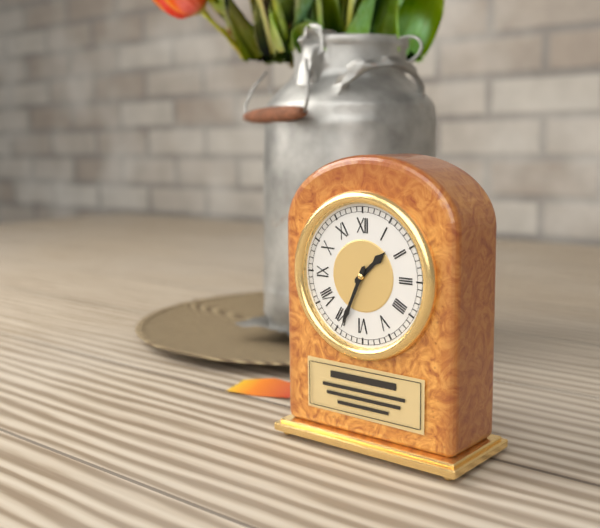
1:34
